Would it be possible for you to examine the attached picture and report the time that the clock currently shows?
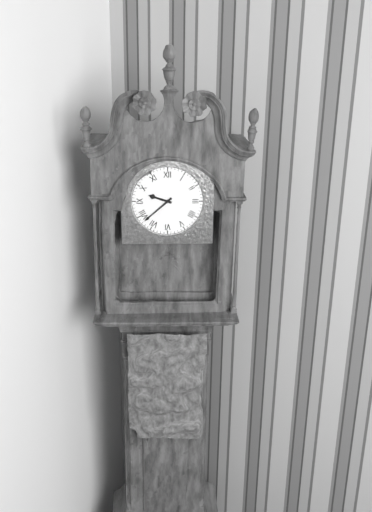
9:38
